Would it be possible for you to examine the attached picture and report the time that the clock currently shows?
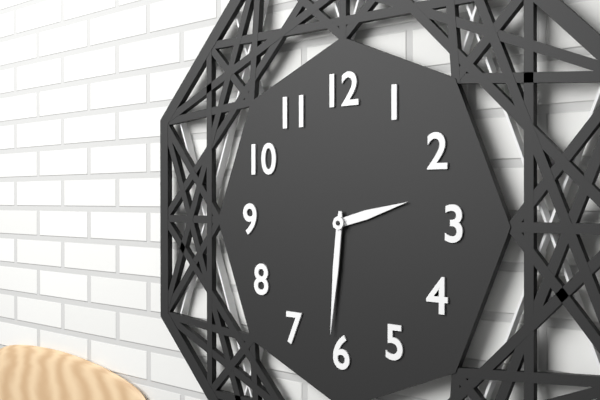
2:31
